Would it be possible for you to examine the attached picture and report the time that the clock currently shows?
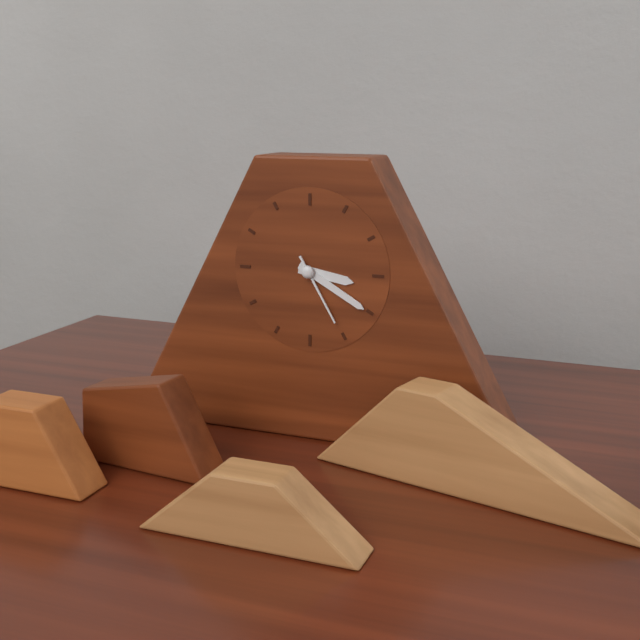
3:20:25
